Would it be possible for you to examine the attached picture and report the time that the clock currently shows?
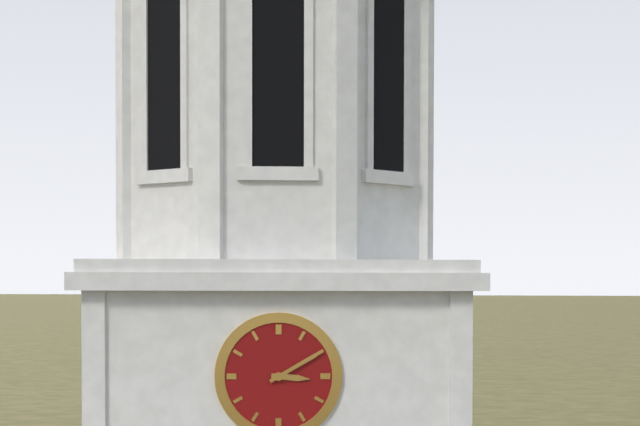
3:10
